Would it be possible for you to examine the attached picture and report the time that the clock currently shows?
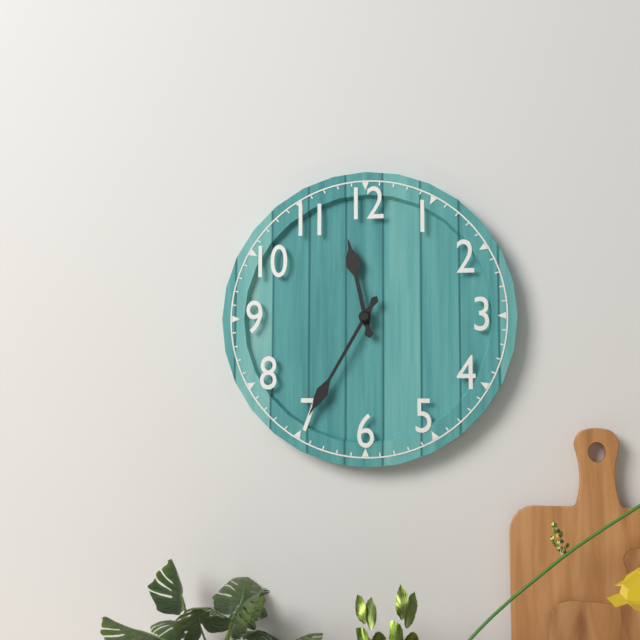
11:35
